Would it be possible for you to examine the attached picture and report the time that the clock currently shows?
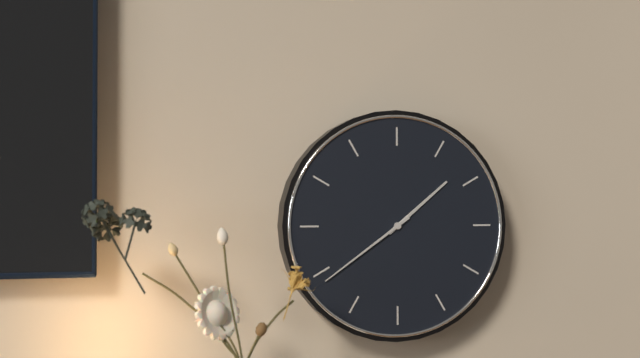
1:39
